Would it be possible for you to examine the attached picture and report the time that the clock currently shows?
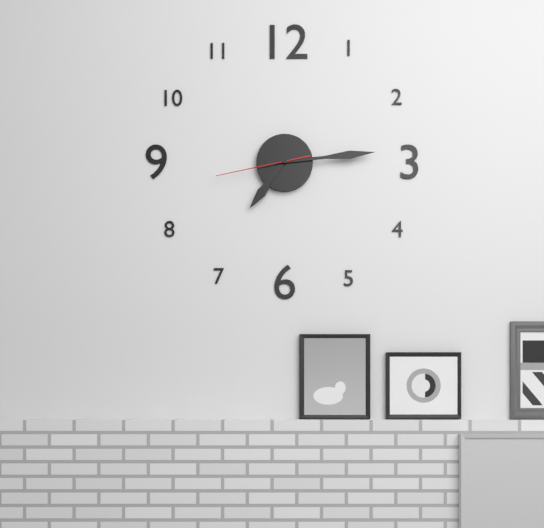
7:14:43
